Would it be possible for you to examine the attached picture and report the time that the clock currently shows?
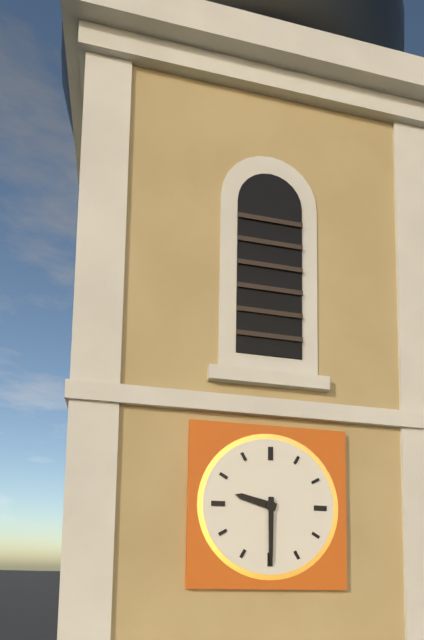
9:30
